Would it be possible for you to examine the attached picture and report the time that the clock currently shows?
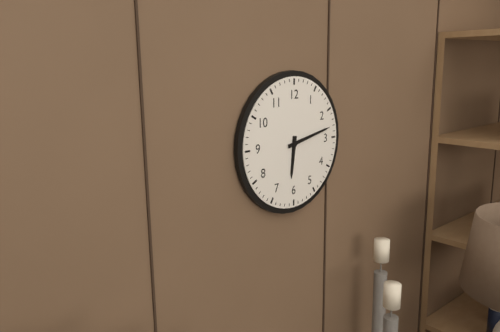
6:13
